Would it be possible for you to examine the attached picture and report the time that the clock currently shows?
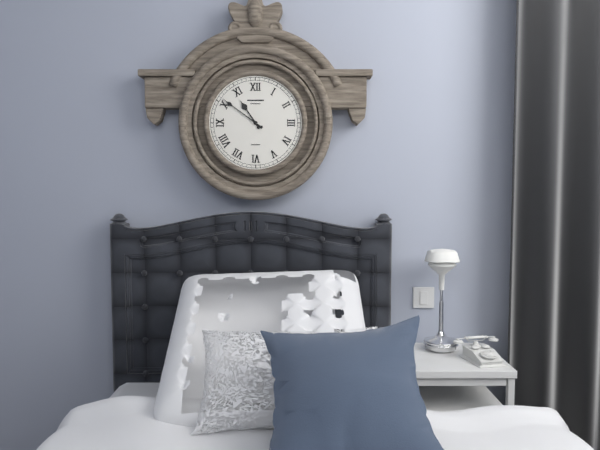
10:51
